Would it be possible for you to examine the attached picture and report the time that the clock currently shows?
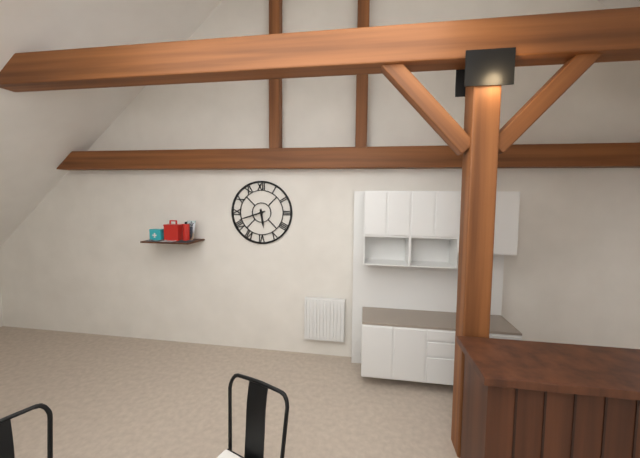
5:42
